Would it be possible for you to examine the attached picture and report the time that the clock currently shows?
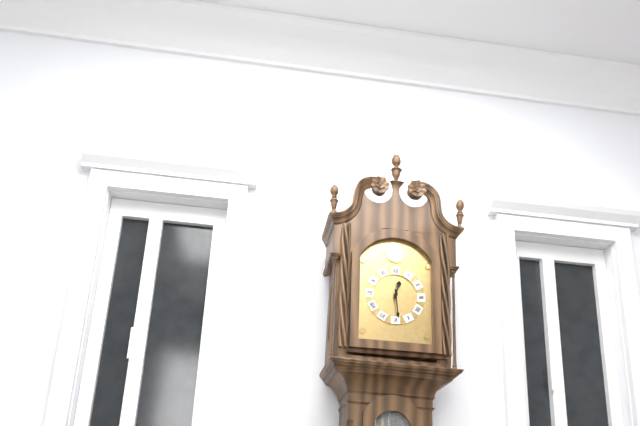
12:29
